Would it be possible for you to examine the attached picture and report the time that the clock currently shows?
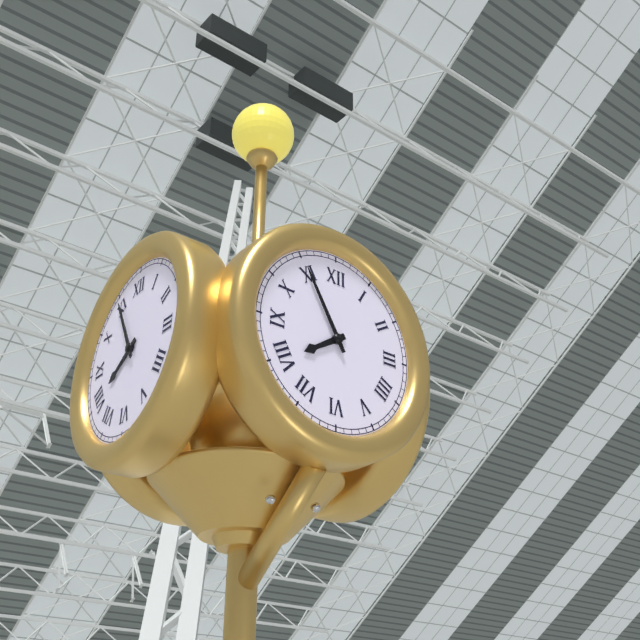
7:55
